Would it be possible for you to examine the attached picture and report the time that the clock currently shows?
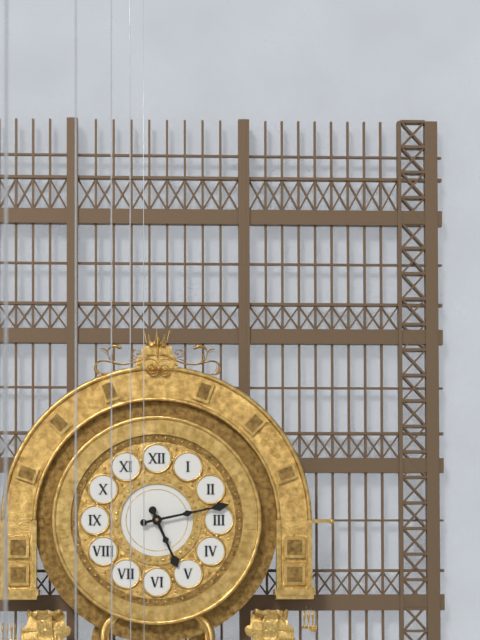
5:13
